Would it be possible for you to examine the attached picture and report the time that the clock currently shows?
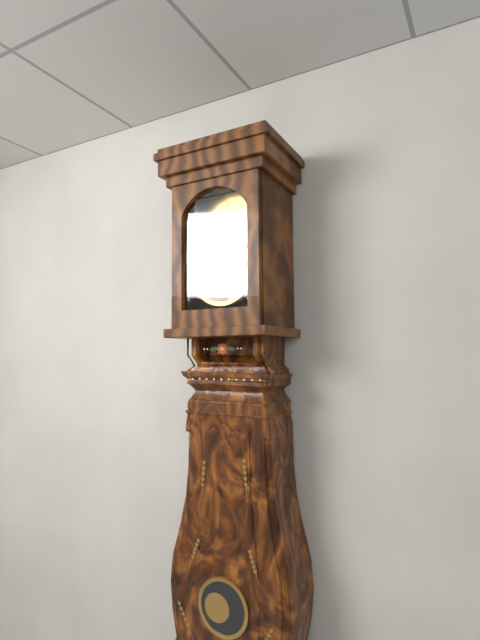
7:37
